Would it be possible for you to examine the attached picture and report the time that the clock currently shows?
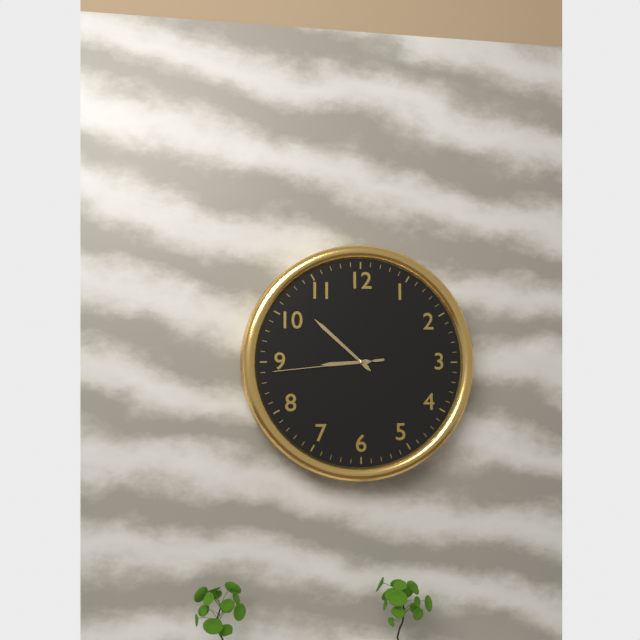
8:52:44
